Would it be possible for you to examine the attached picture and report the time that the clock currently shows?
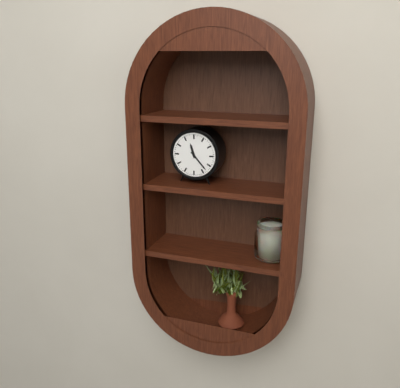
11:23
